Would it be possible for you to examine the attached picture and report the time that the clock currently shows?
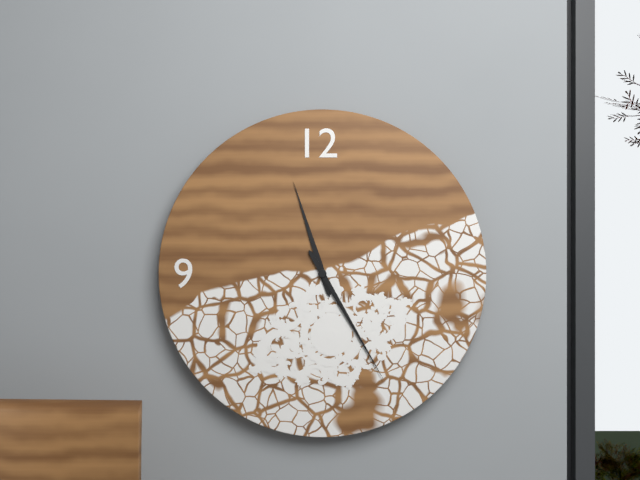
11:25
